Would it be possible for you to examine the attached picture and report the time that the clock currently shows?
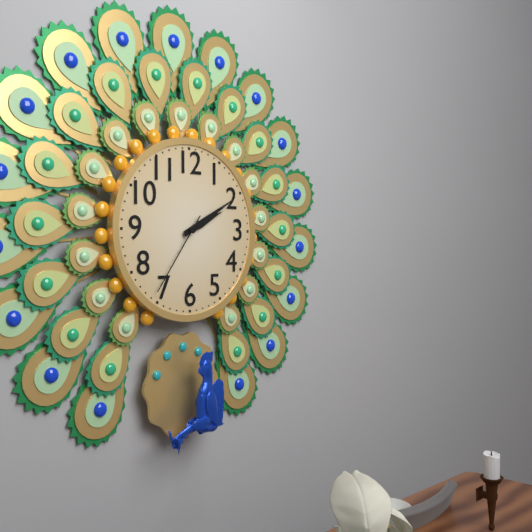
2:10:36
